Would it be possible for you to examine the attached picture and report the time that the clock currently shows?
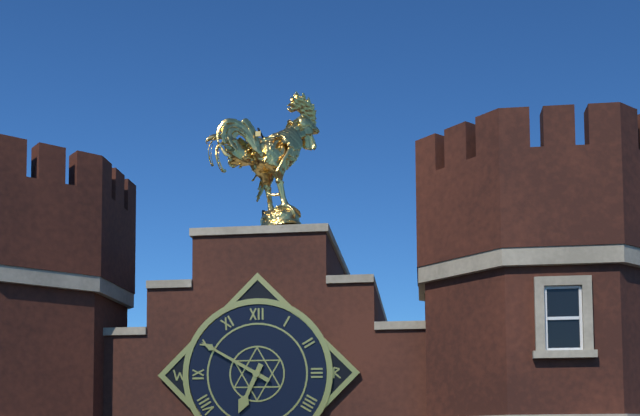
6:50
